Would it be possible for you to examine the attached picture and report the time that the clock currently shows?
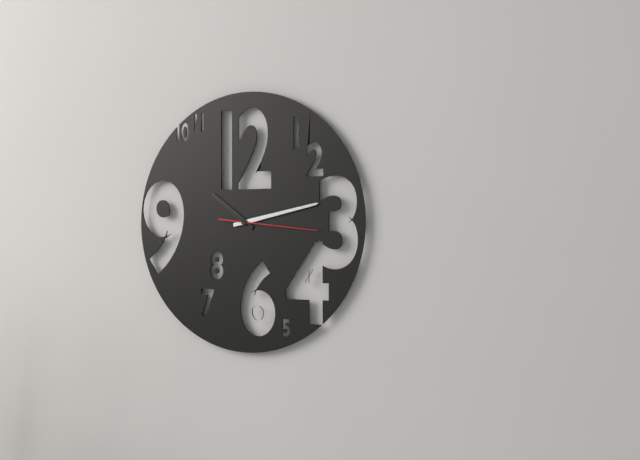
10:13:16
